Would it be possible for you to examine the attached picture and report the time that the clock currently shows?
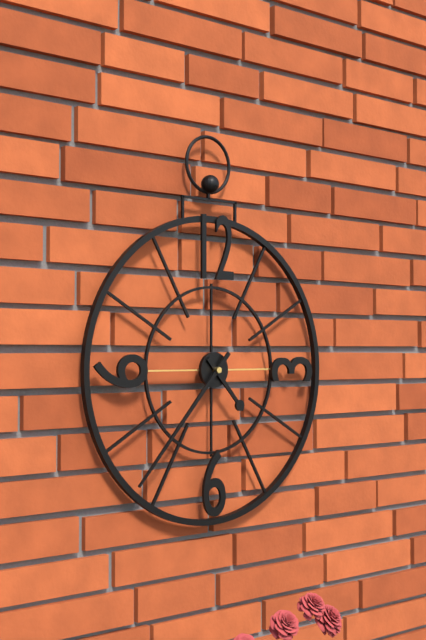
4:37
